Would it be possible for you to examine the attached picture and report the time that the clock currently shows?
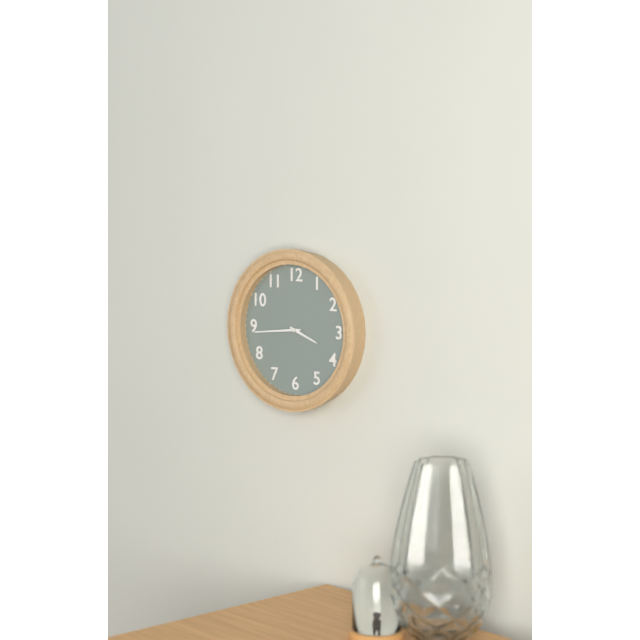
3:44
